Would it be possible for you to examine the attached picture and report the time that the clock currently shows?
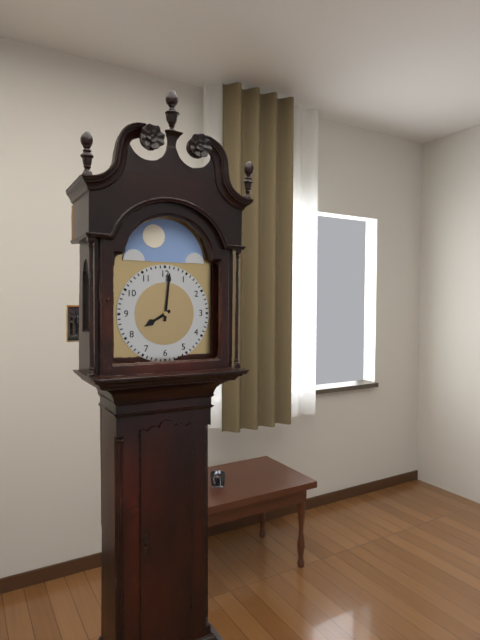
8:01
